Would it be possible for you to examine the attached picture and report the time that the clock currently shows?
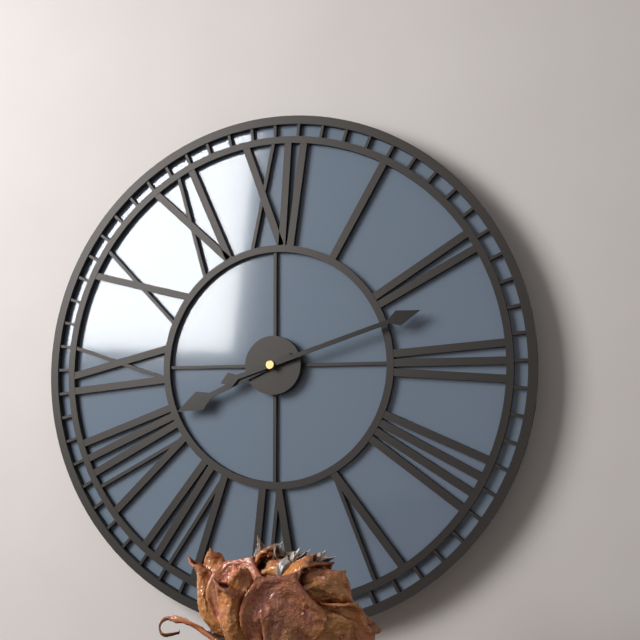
8:12
